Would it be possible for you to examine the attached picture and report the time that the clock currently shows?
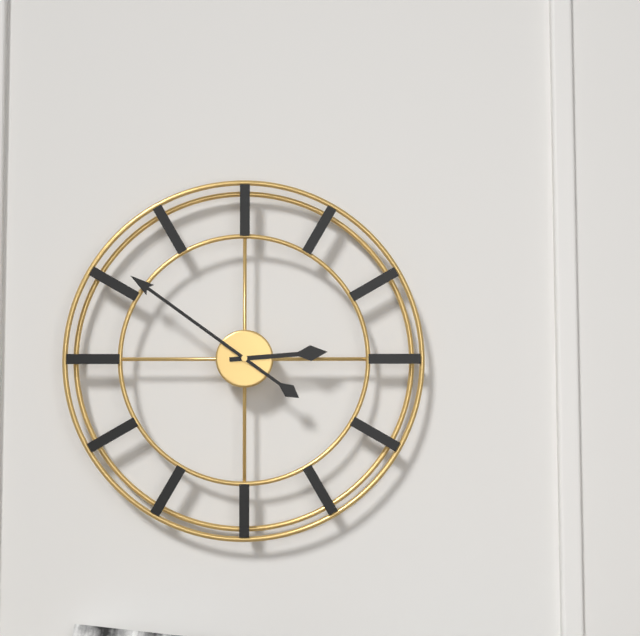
2:51
